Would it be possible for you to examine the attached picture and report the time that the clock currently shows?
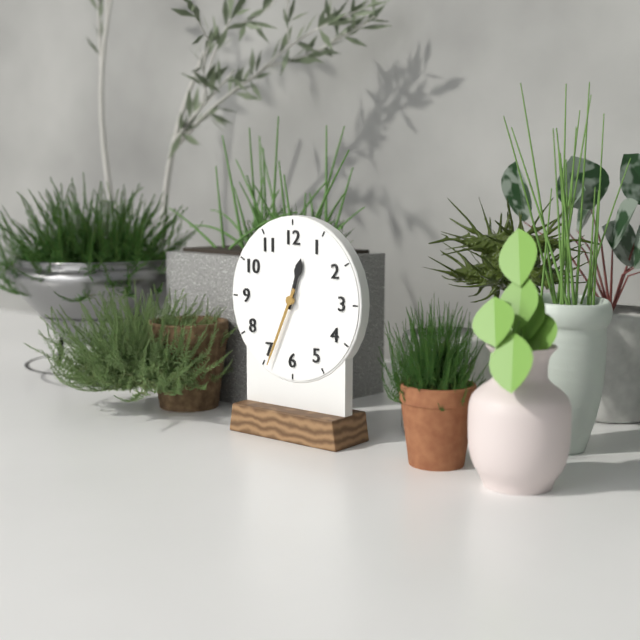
12:34
